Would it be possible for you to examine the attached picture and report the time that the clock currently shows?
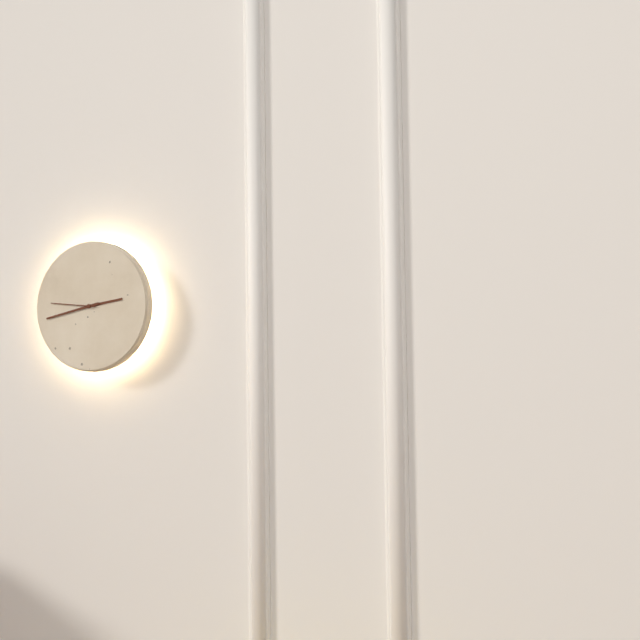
2:43
